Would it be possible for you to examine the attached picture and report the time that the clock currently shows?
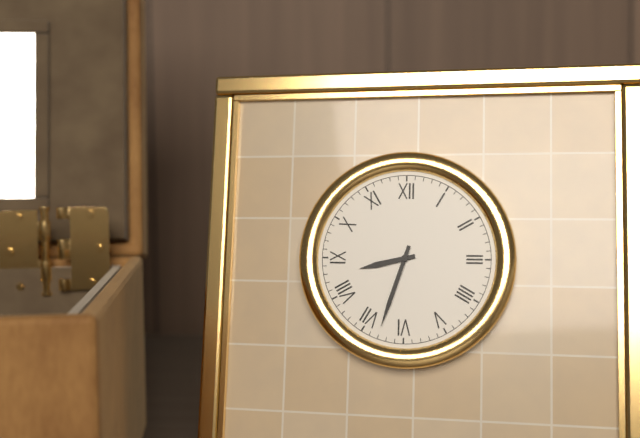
8:33
